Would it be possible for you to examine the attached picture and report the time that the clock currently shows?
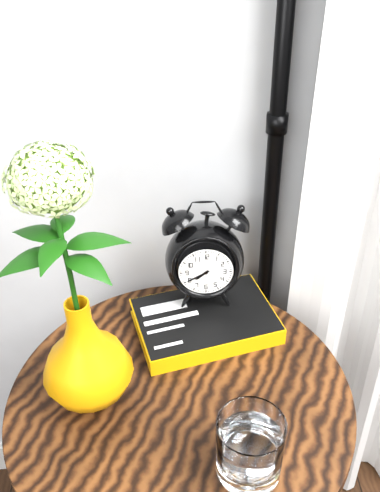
7:40
